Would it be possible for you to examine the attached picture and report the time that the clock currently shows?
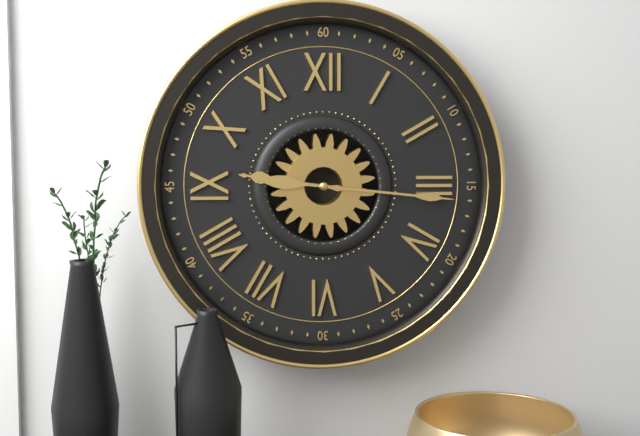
9:16
